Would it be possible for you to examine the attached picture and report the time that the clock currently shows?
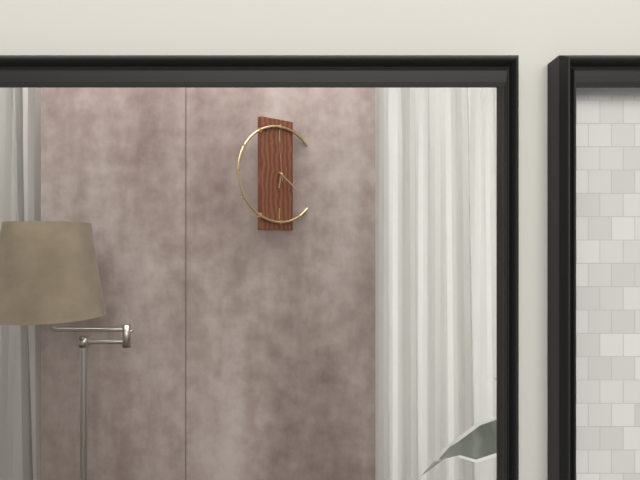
6:21
